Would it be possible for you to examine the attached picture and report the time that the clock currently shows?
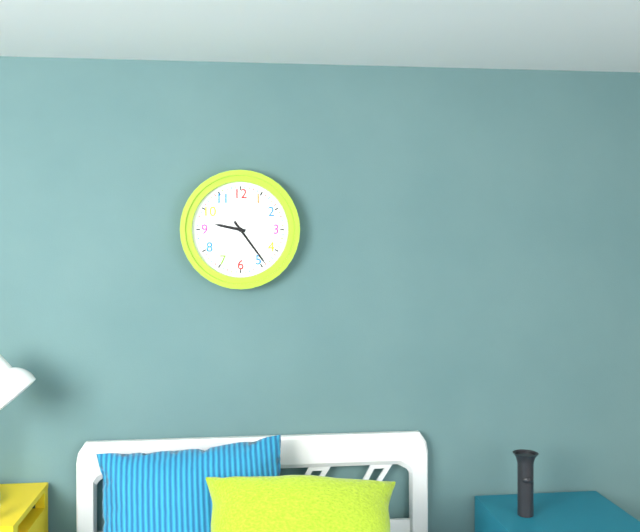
9:24
